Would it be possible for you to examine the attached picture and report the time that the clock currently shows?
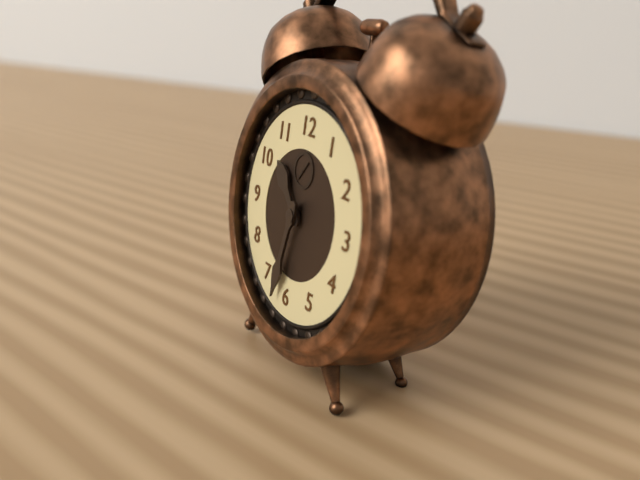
10:32
